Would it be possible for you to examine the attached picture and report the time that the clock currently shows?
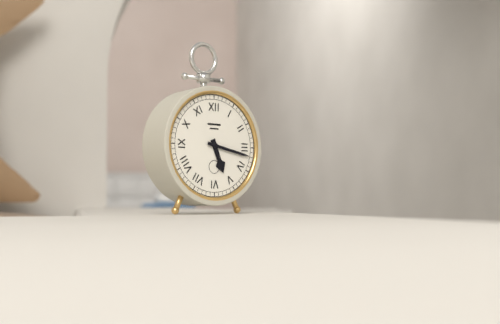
5:17
